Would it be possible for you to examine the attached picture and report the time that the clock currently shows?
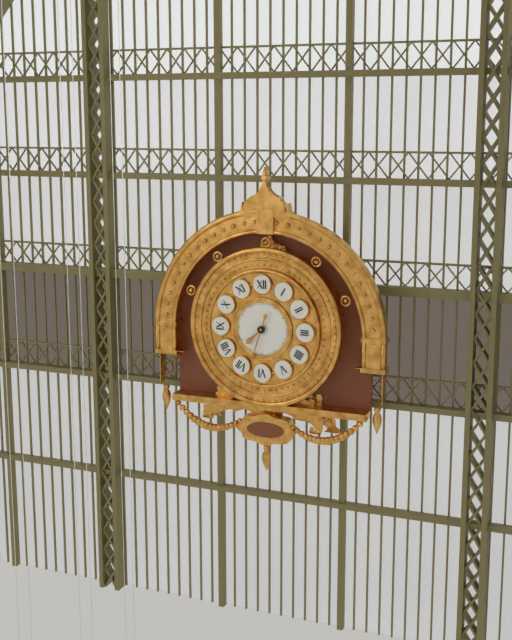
7:33
